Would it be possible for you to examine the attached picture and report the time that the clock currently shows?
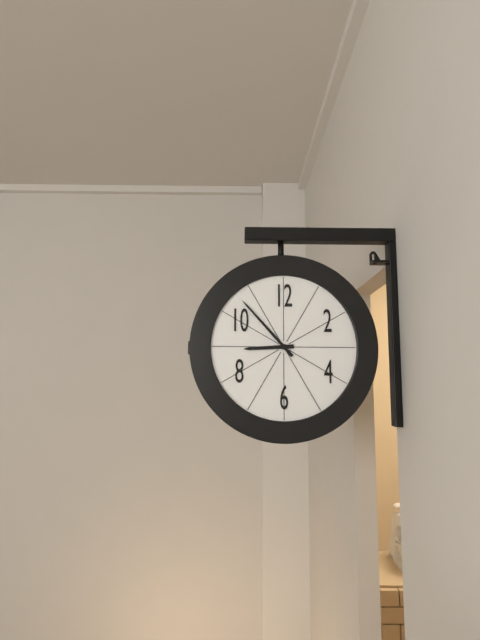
8:53
